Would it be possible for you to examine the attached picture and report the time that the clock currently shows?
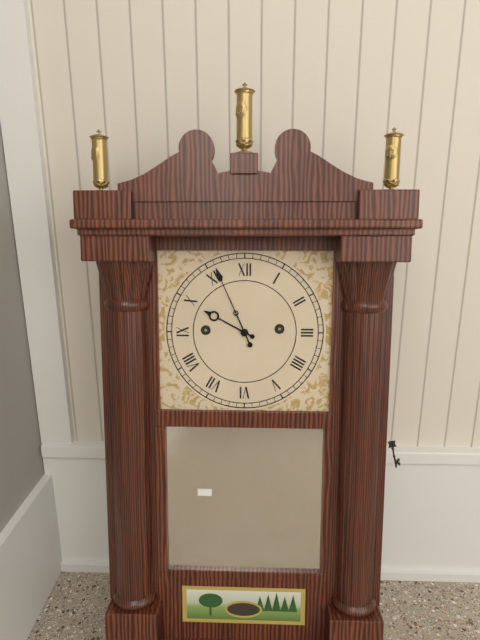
9:56
